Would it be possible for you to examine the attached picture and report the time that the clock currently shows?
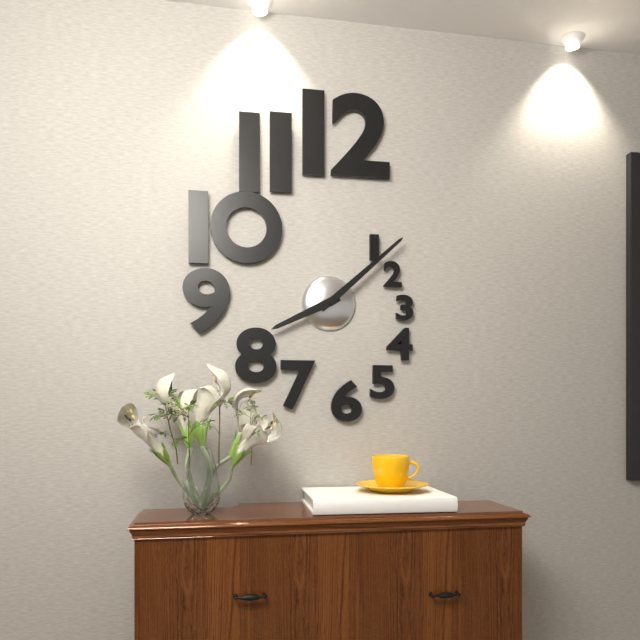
8:08
